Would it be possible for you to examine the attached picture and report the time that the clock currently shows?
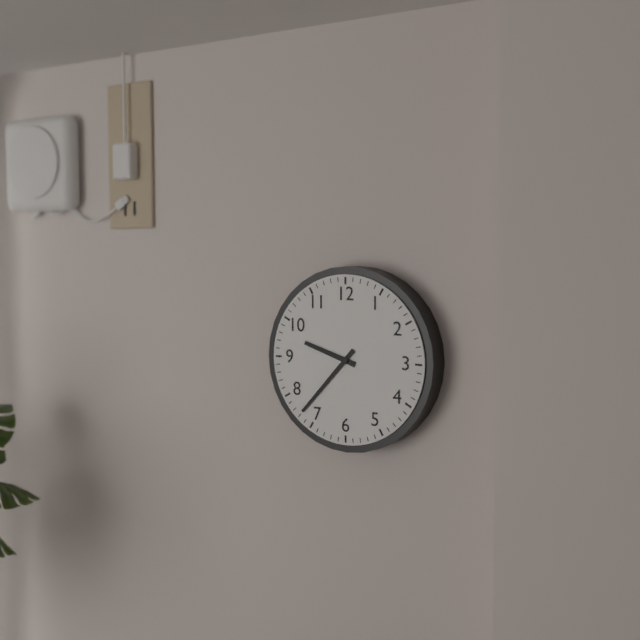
9:37
